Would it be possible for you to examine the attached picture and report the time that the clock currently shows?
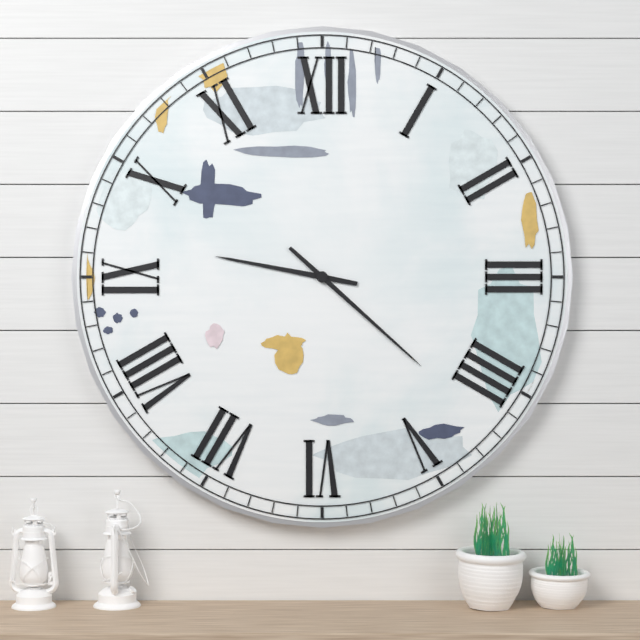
9:22
